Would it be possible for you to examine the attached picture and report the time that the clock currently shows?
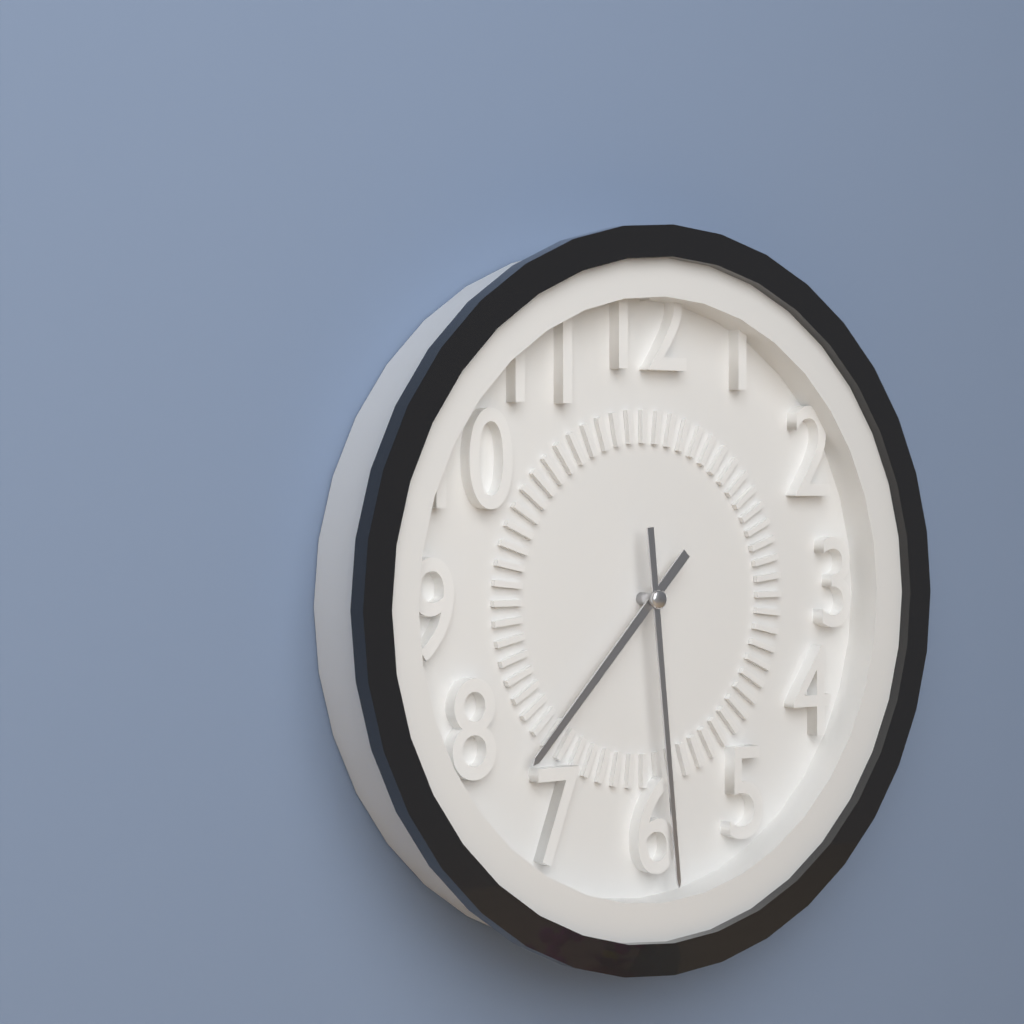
7:29
